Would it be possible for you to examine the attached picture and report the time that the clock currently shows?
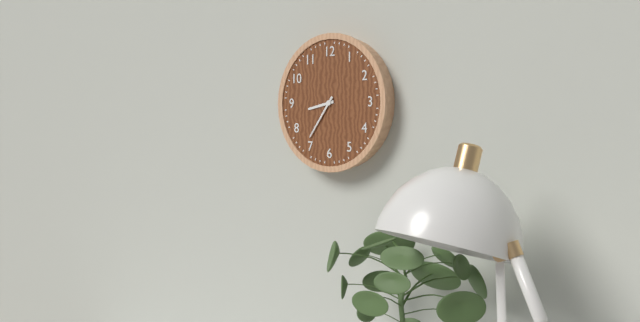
8:36
